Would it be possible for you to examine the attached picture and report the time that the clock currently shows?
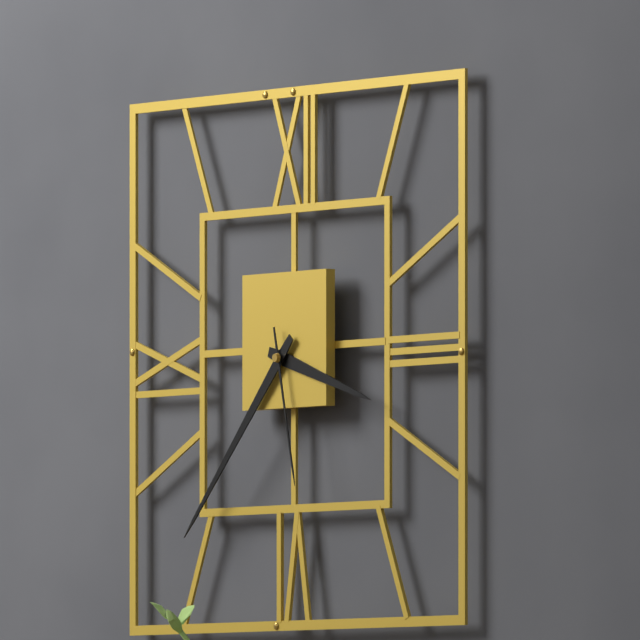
3:37:28
